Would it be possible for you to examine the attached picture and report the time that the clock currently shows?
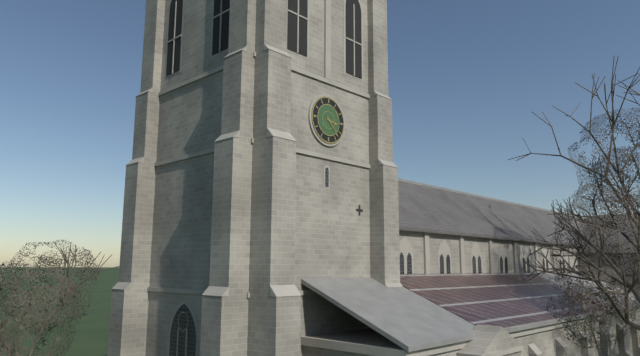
3:23
